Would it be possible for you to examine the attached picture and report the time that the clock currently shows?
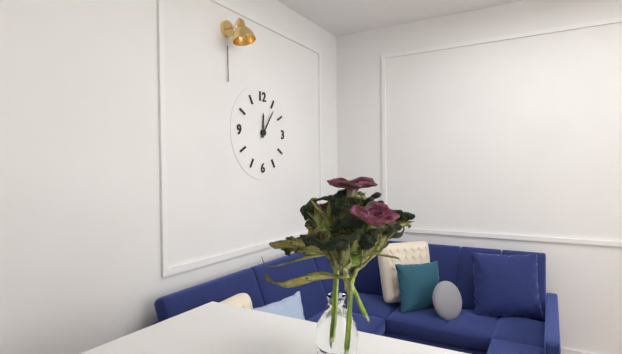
12:06
